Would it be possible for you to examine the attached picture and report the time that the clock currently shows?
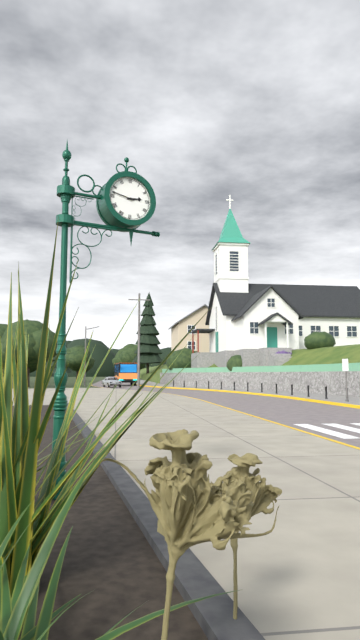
2:47
